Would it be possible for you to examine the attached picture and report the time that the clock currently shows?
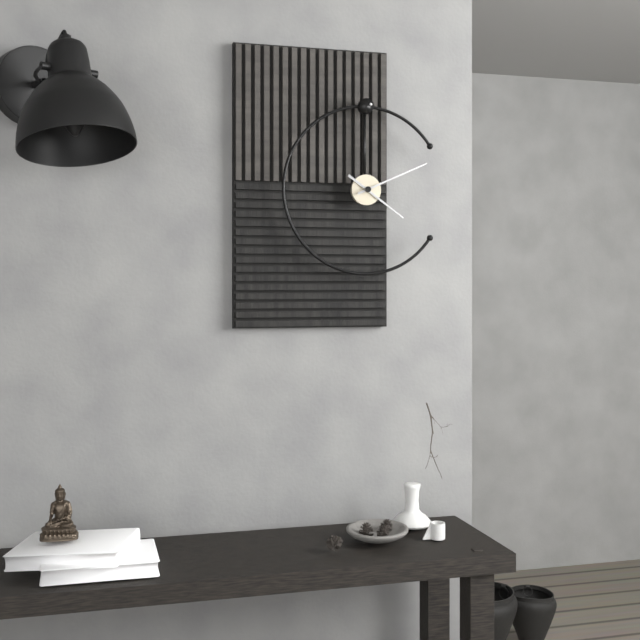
4:11
